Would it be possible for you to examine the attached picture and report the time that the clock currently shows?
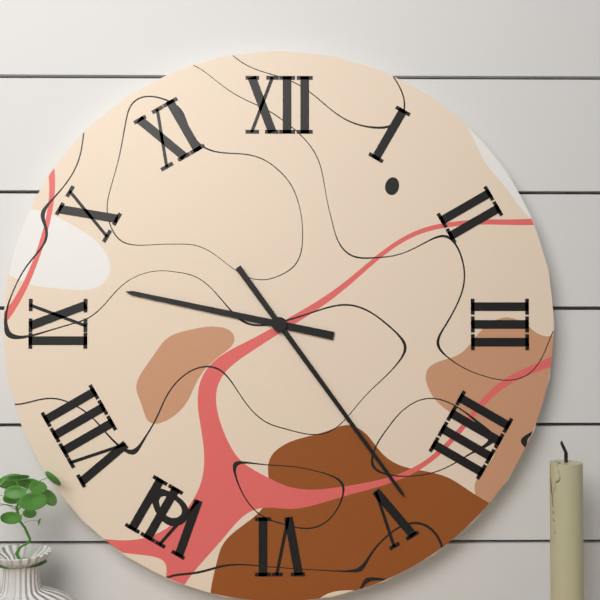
9:24
